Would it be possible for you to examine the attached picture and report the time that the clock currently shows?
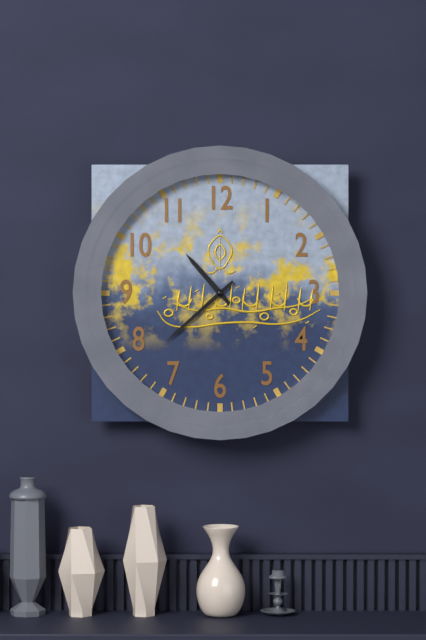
10:38
